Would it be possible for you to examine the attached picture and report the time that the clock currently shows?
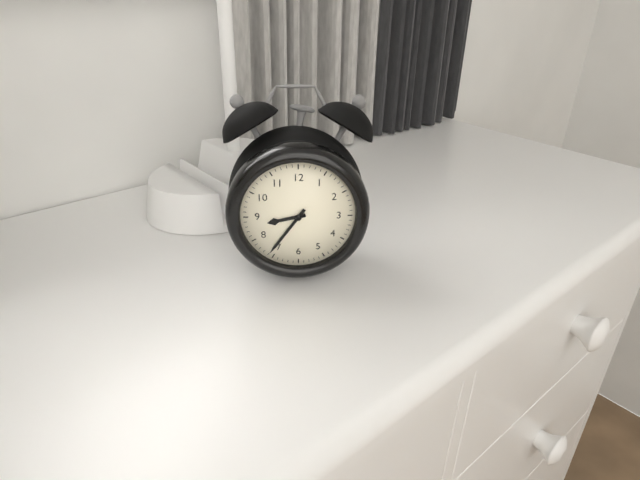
8:36
